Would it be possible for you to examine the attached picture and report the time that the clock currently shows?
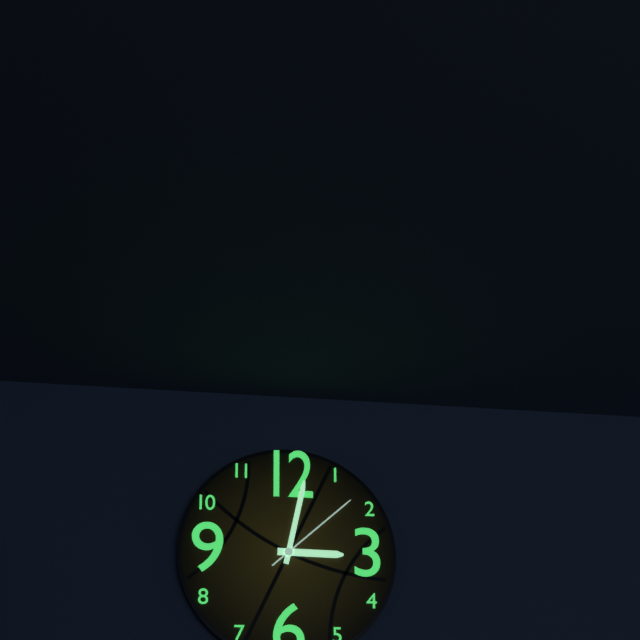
3:02:08
